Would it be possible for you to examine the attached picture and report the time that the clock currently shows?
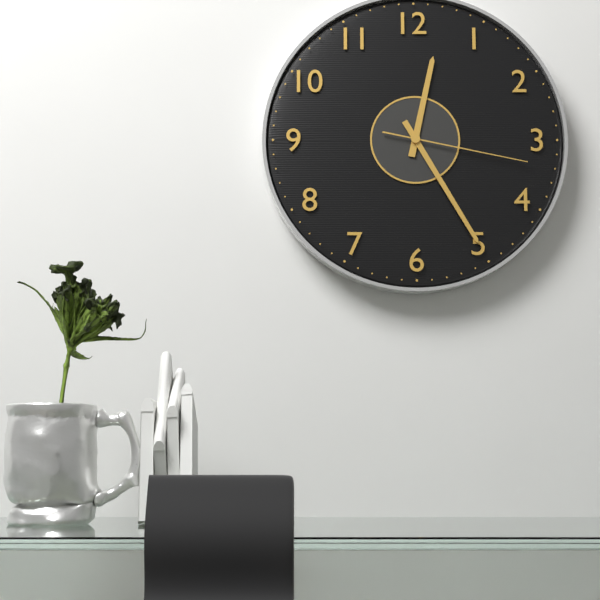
12:25:17
